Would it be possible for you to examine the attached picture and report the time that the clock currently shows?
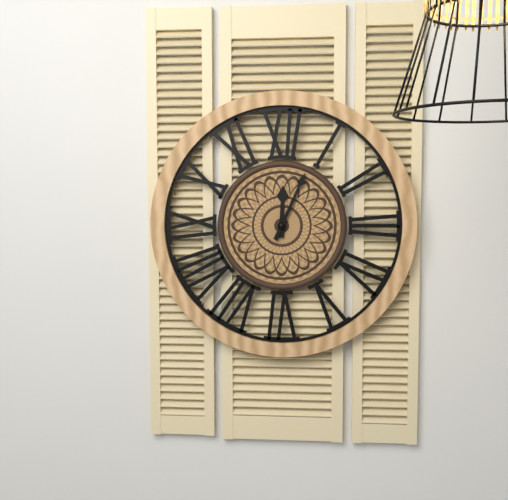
12:04
